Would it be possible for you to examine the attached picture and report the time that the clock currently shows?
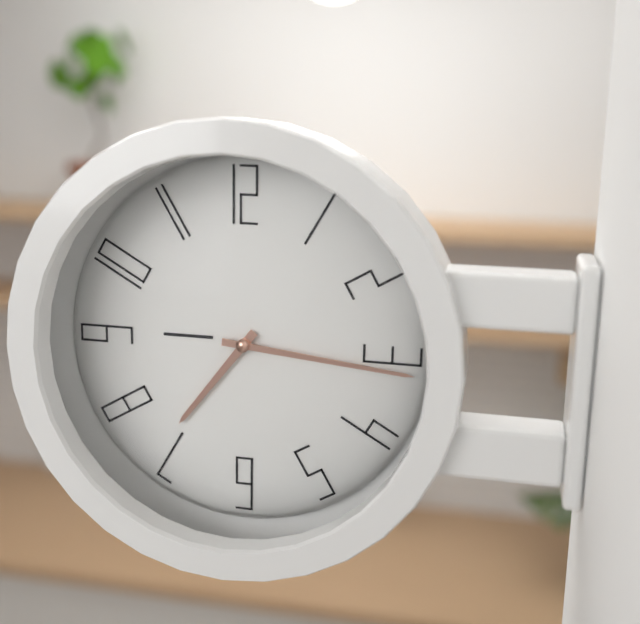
7:16
